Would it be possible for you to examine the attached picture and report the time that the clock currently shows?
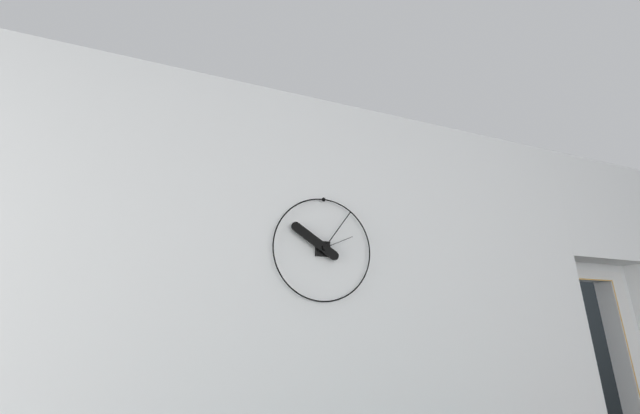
10:06
